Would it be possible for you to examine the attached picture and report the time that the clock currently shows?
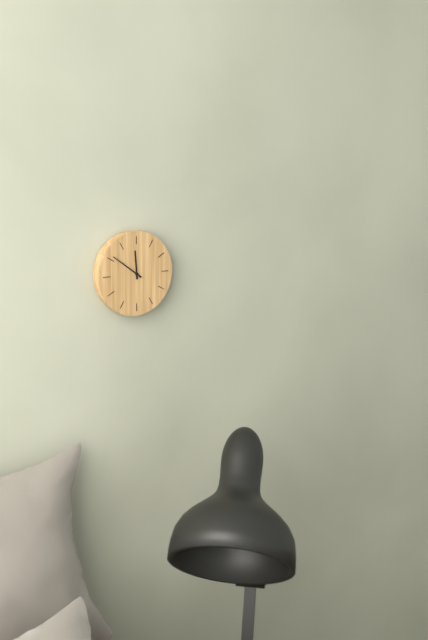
11:51
